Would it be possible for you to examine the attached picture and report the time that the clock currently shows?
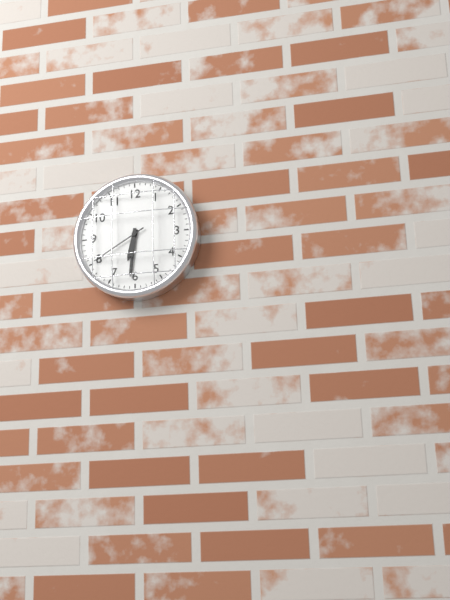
6:31:40
